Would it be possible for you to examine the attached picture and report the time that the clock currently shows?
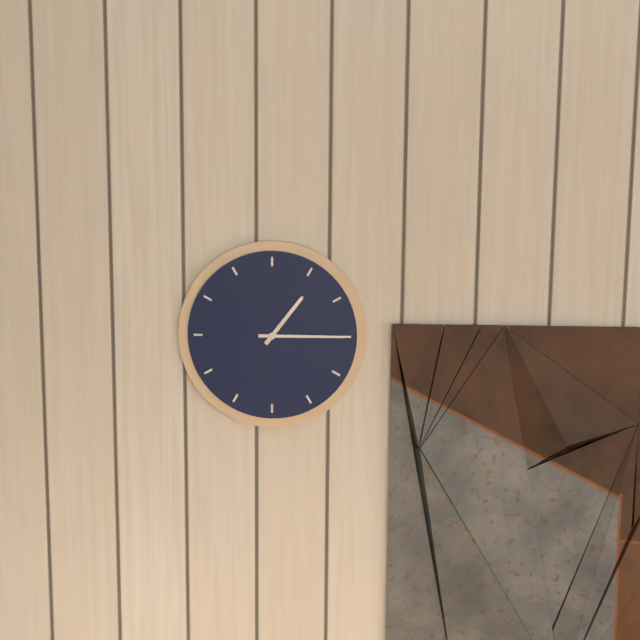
1:15
